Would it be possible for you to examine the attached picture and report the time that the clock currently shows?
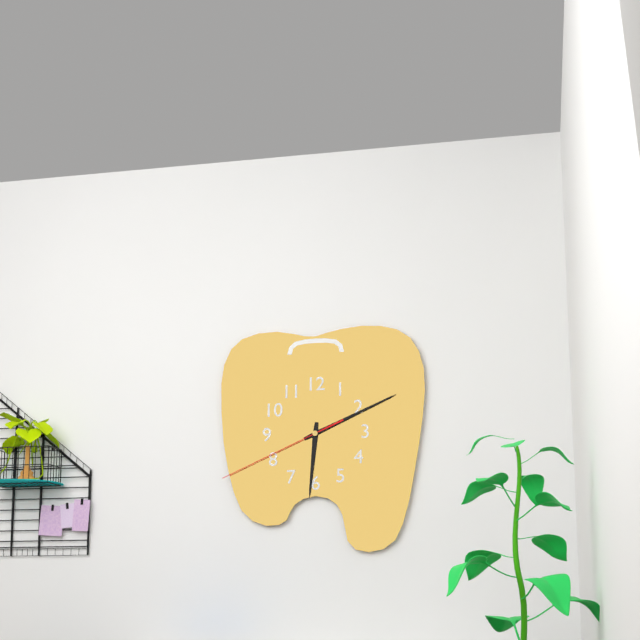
6:11:41
